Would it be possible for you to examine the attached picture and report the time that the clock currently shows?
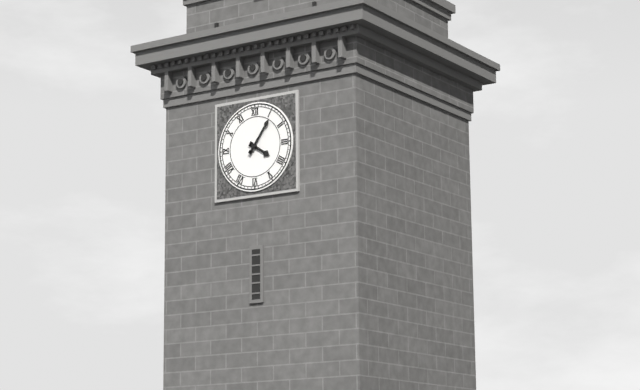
4:06
